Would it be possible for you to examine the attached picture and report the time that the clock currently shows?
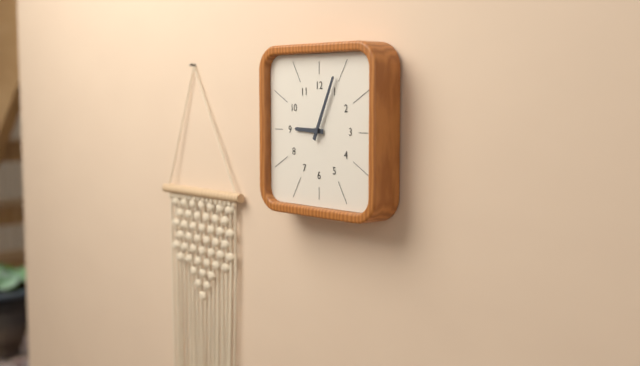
9:04
